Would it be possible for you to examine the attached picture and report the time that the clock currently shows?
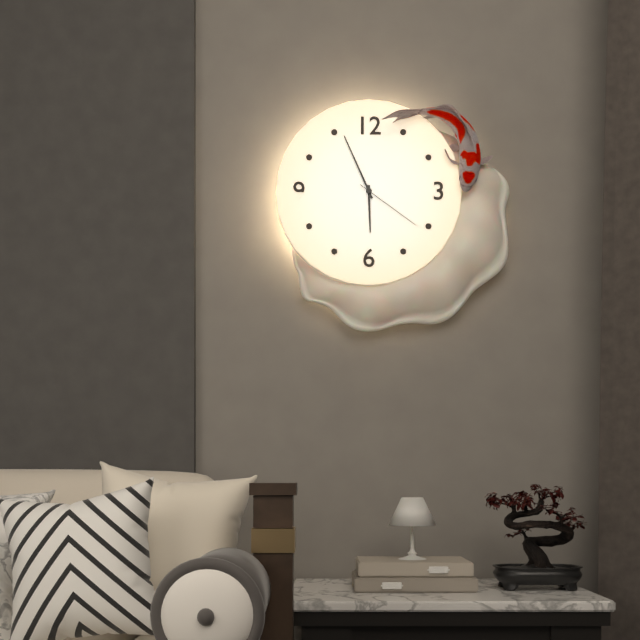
5:56:21
